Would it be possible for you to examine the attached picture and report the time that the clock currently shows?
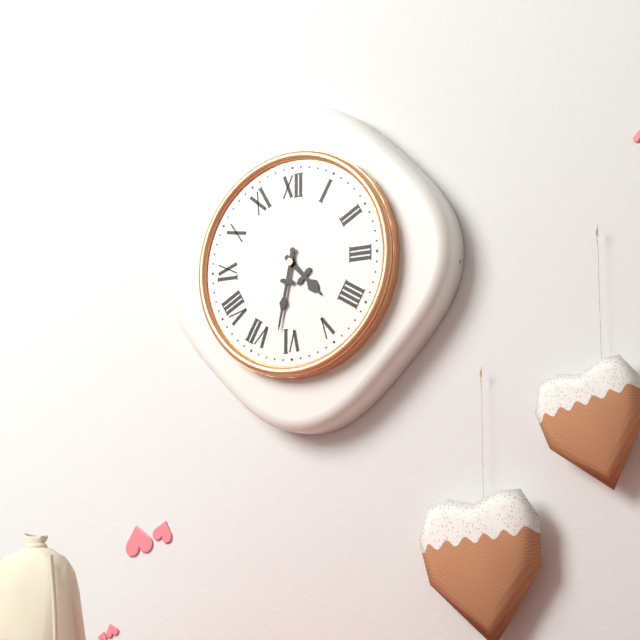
4:32
